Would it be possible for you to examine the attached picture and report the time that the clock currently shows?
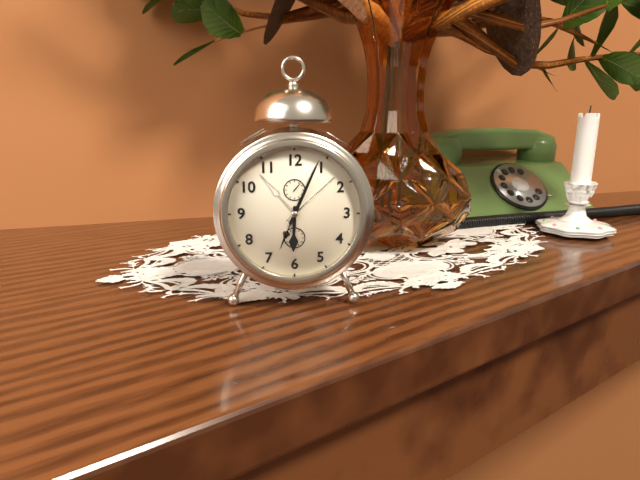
6:04
